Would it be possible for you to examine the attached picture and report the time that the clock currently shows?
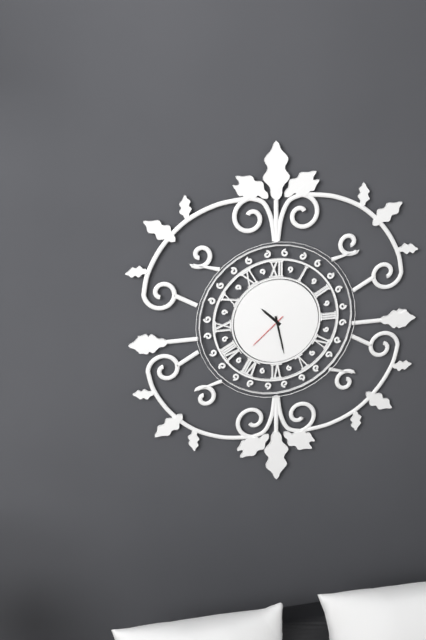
10:28
